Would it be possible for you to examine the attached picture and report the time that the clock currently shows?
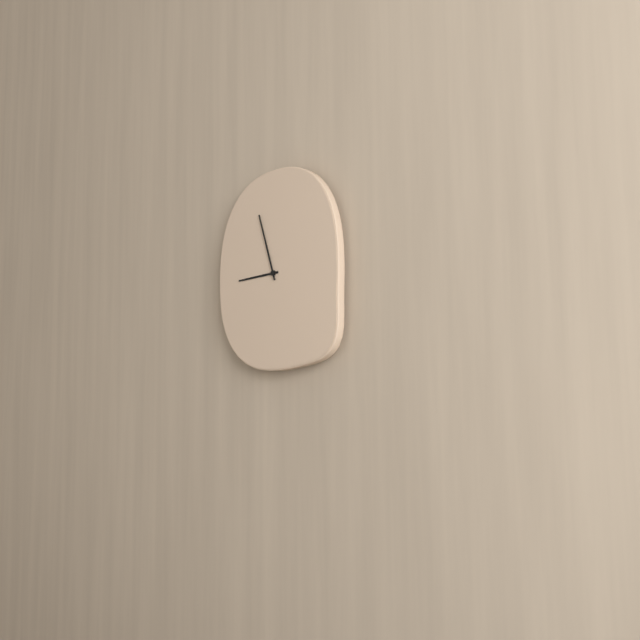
8:57
